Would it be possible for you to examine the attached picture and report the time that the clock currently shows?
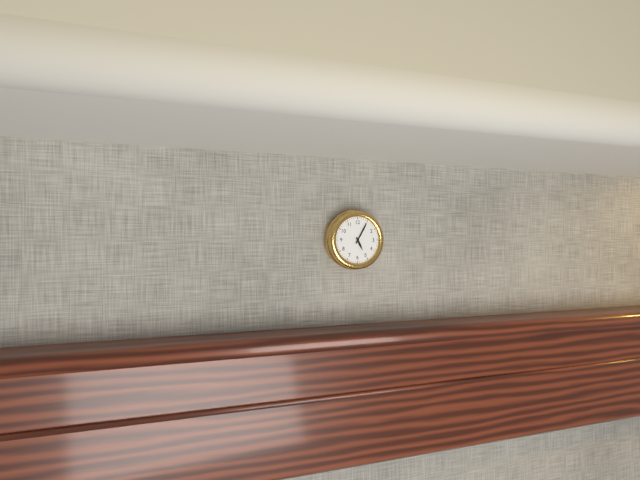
5:05
